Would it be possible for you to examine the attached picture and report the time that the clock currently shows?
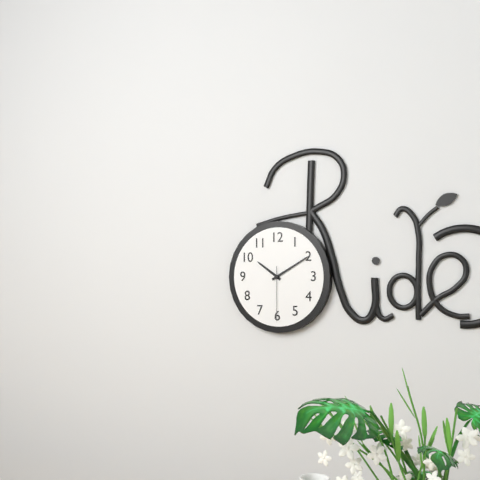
10:10:30
